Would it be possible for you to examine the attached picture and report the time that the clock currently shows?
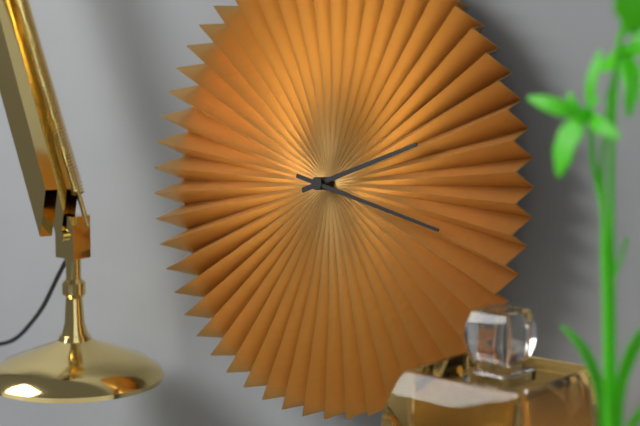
2:17
